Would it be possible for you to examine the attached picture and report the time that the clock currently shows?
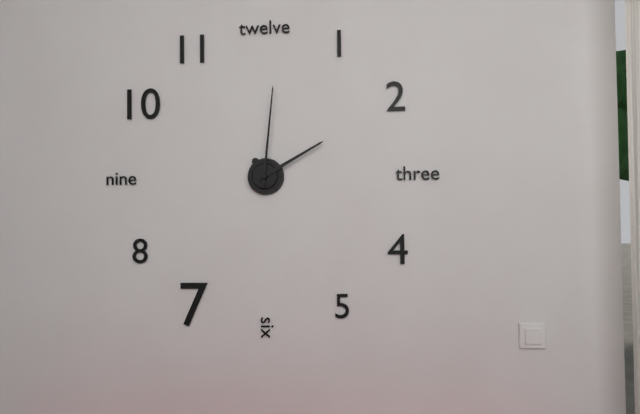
2:01
